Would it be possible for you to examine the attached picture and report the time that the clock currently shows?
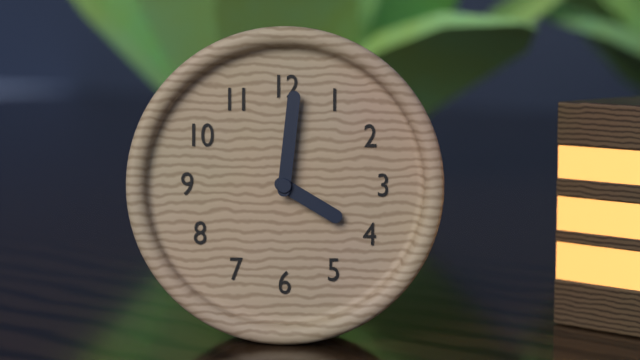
4:01
